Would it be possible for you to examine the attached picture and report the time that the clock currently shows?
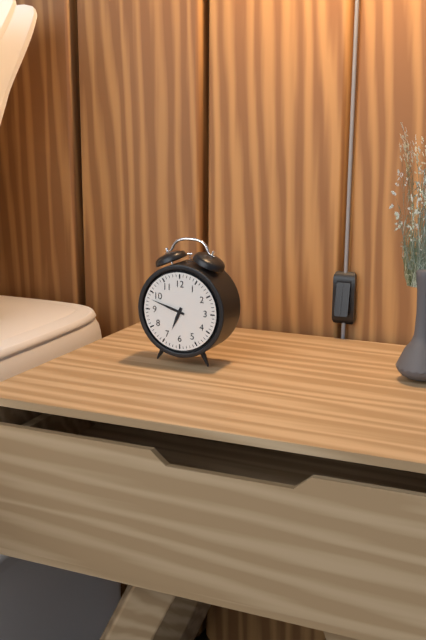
6:48
